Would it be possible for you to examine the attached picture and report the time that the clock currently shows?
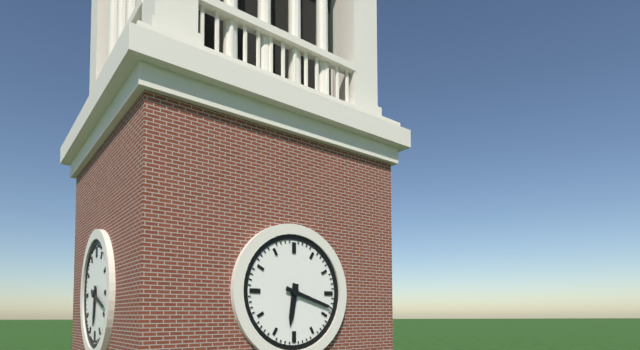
6:18
